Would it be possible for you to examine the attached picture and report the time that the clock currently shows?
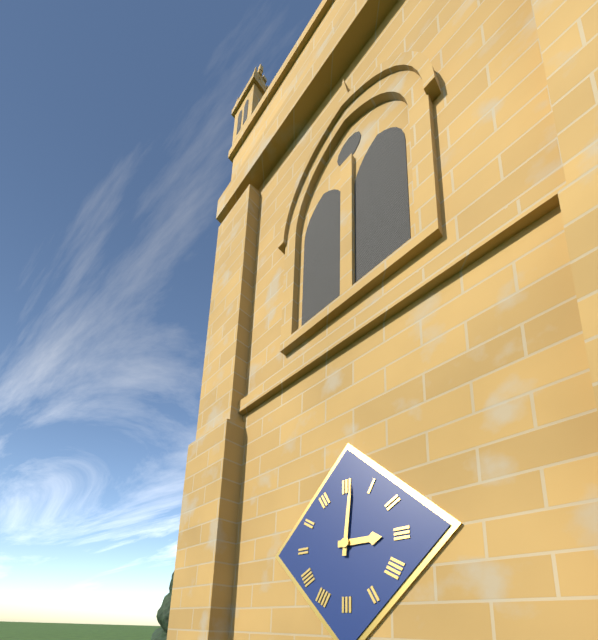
3:01
